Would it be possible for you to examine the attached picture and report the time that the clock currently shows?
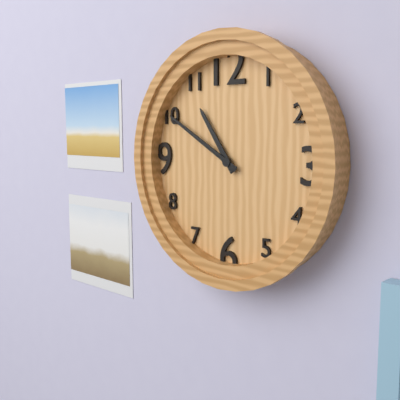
10:50
